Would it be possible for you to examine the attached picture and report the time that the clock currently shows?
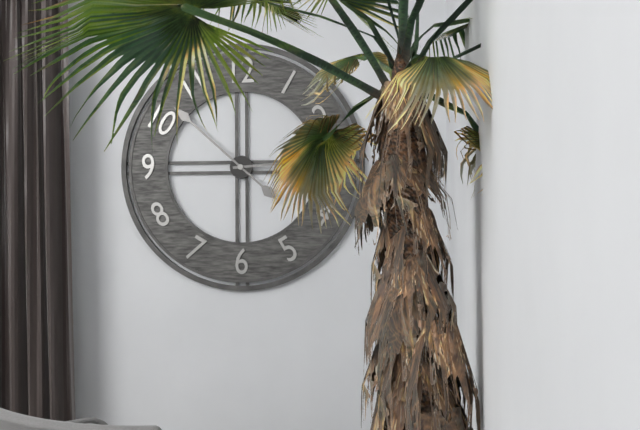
2:52
